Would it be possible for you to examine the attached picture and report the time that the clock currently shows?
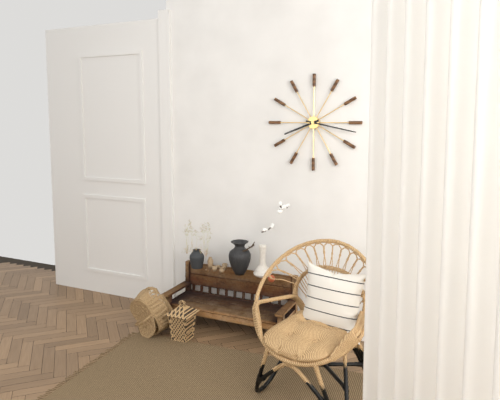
8:17
